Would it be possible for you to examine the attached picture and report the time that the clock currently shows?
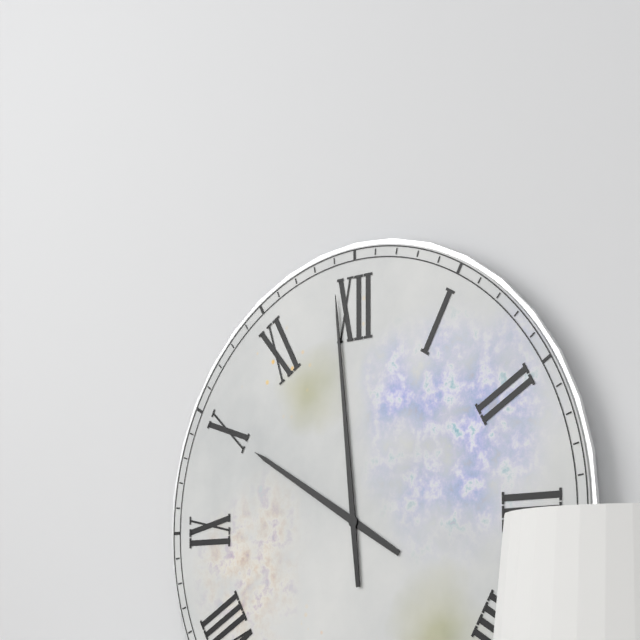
9:59
